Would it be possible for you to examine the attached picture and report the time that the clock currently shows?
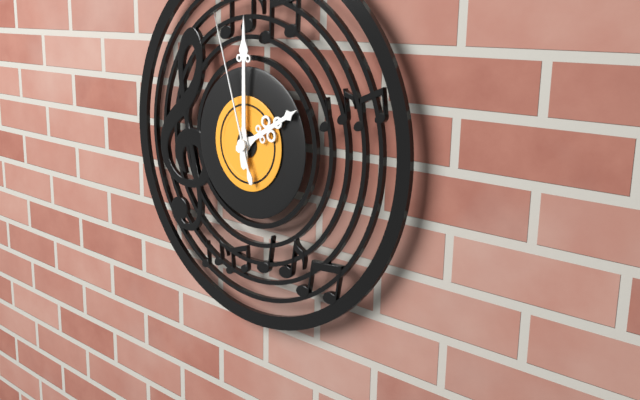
2:00:57
